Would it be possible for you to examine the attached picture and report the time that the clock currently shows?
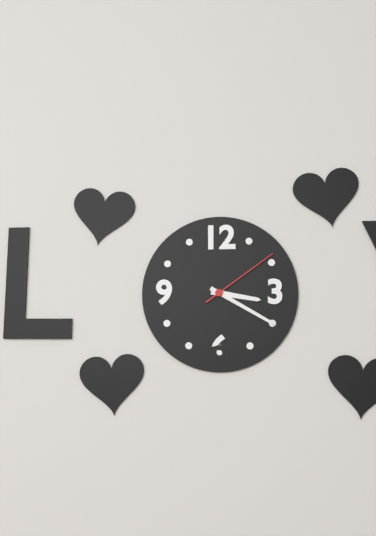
3:20:09
